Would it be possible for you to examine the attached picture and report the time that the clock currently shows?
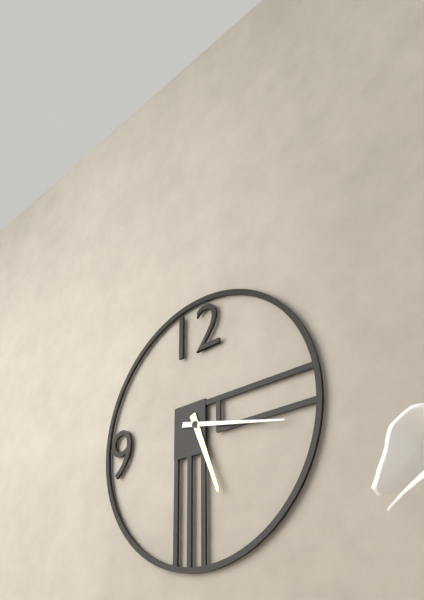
5:17
